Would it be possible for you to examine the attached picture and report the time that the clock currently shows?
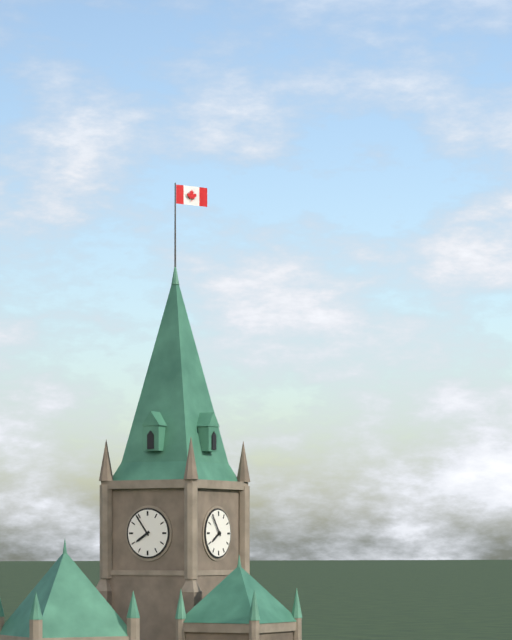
7:54
